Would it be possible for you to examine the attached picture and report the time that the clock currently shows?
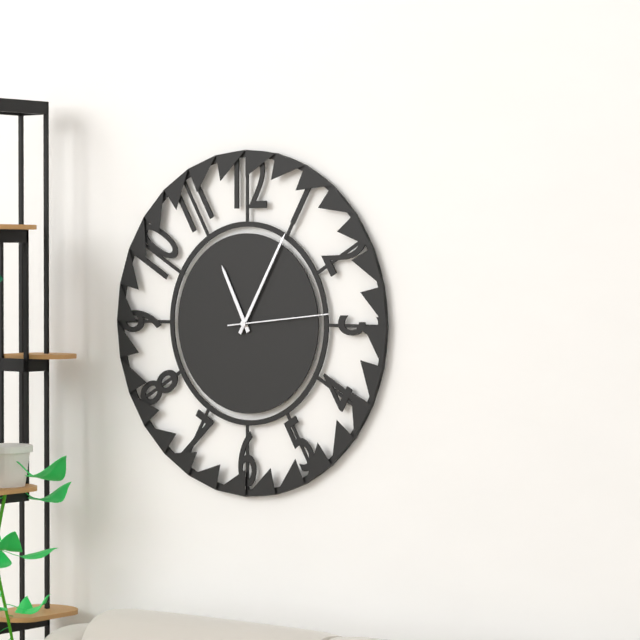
11:05:14
